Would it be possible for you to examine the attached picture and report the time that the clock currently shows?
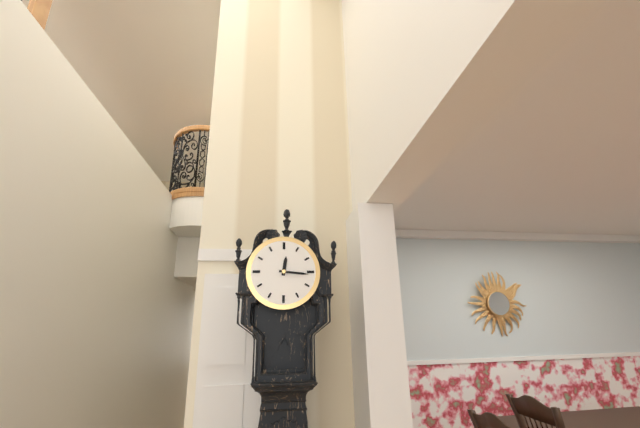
12:16
